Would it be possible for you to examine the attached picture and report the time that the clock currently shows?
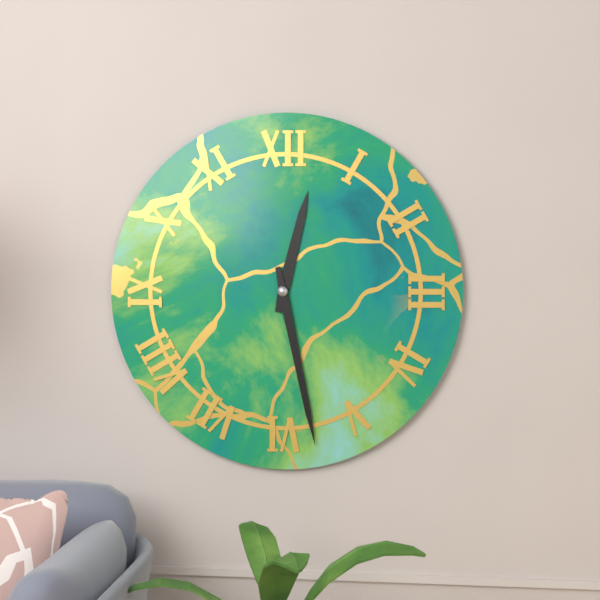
12:28
